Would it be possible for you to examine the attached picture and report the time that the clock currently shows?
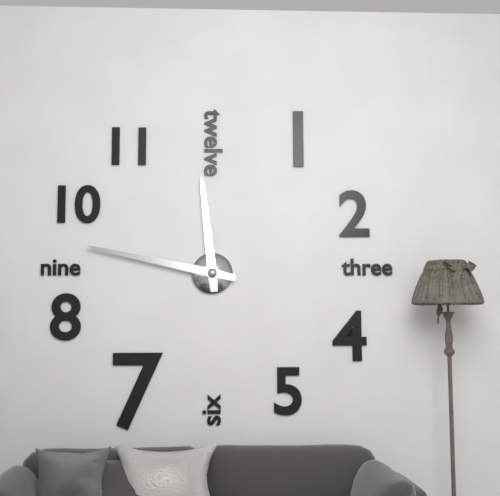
11:47
